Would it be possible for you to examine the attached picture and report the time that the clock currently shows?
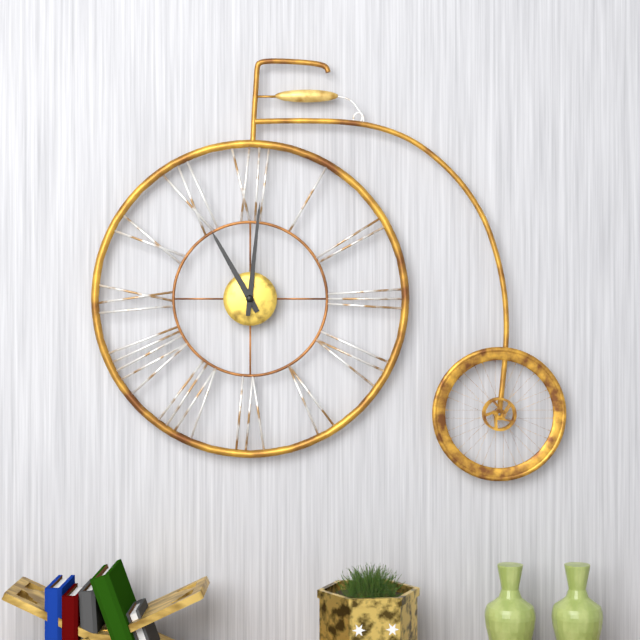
11:01
